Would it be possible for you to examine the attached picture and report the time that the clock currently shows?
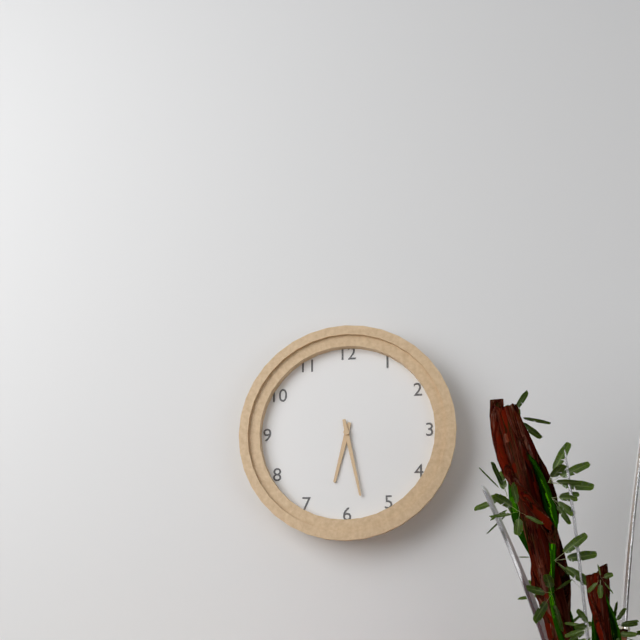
6:28
